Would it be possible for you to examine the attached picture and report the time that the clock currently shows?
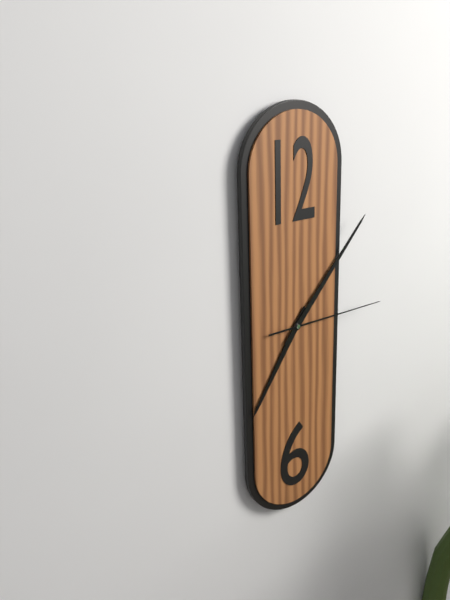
7:07:15
